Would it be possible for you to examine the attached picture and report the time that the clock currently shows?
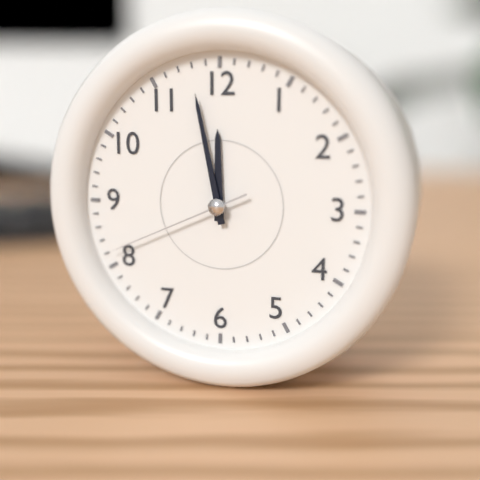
11:58:41
